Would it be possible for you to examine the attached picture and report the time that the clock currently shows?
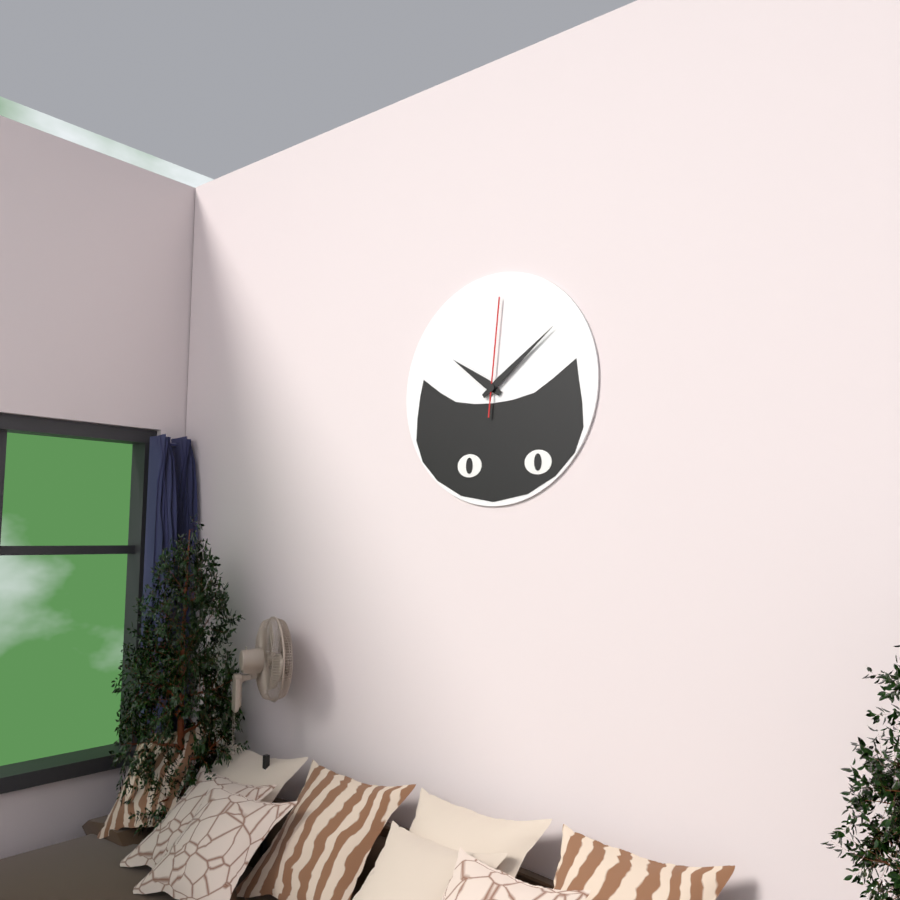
10:09:01
